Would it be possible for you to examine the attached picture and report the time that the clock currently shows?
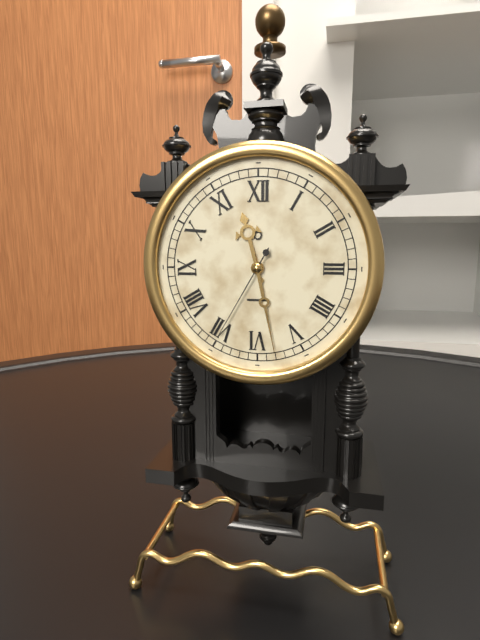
11:28:35
